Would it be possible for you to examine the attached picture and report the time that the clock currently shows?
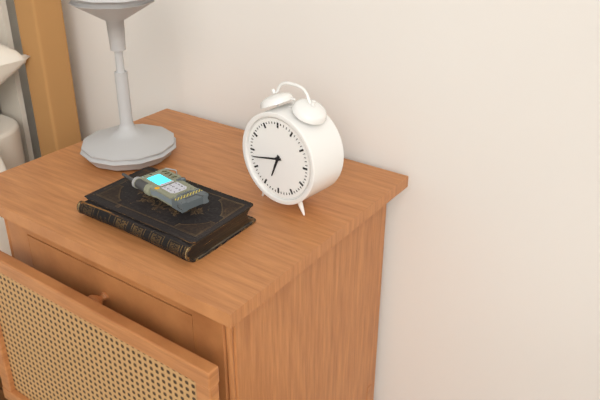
6:43
